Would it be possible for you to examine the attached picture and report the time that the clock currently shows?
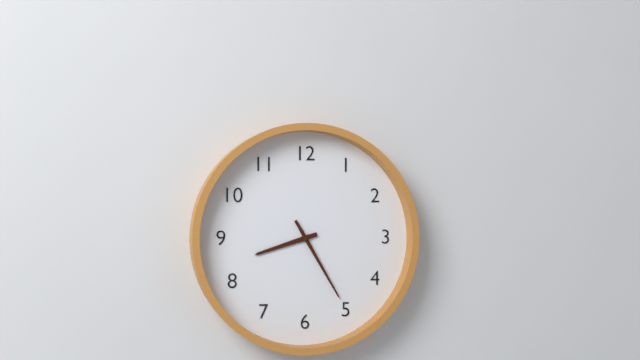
8:25
